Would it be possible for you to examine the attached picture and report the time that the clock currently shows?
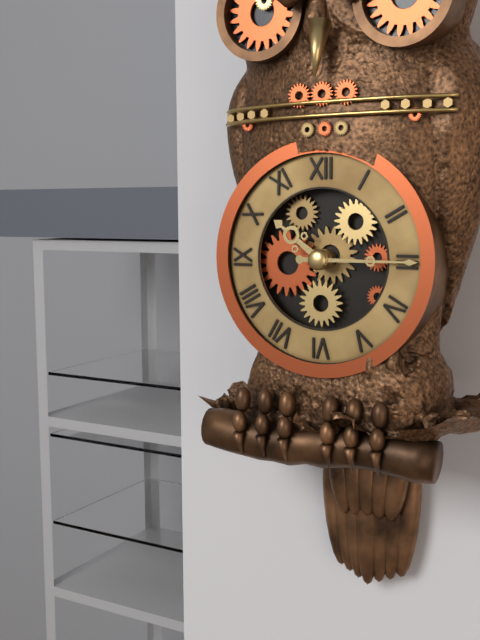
10:15
